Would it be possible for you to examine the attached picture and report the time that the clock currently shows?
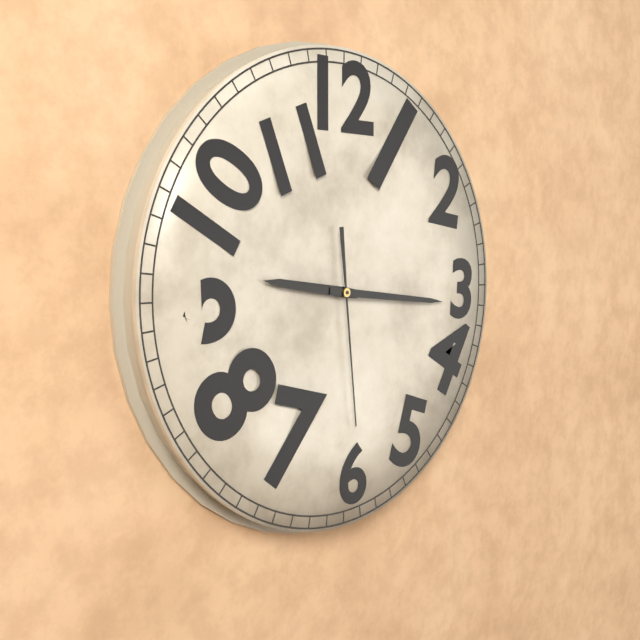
9:16:29
